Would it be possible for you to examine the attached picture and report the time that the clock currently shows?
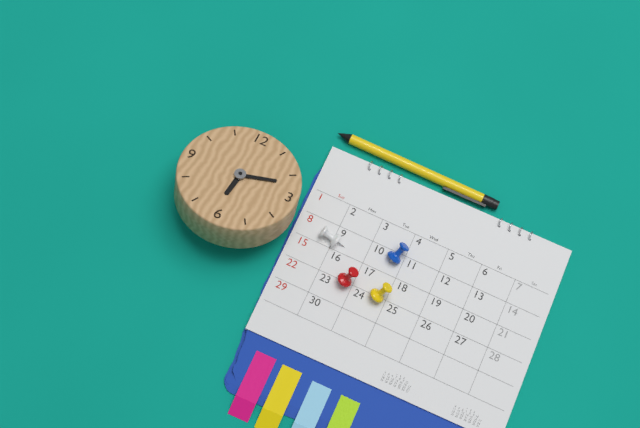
6:12
